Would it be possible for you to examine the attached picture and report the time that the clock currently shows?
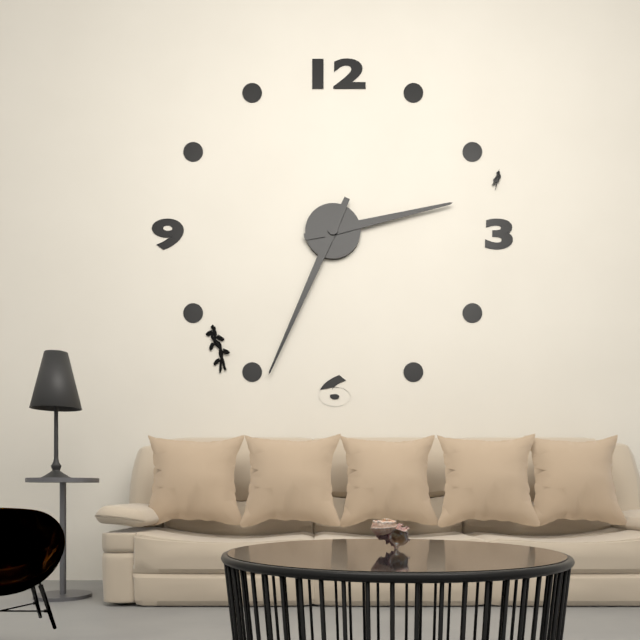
2:34
